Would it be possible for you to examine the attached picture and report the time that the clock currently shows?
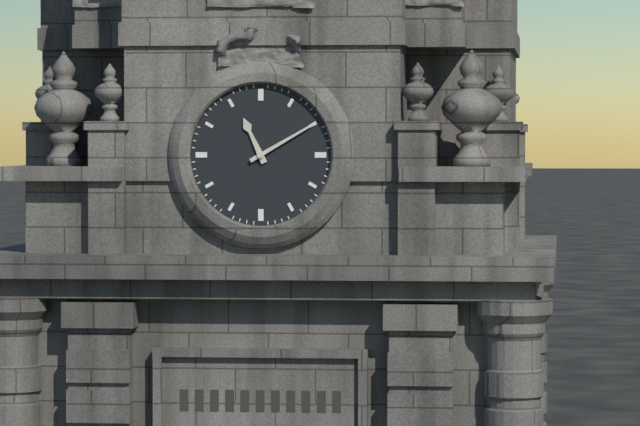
11:10
